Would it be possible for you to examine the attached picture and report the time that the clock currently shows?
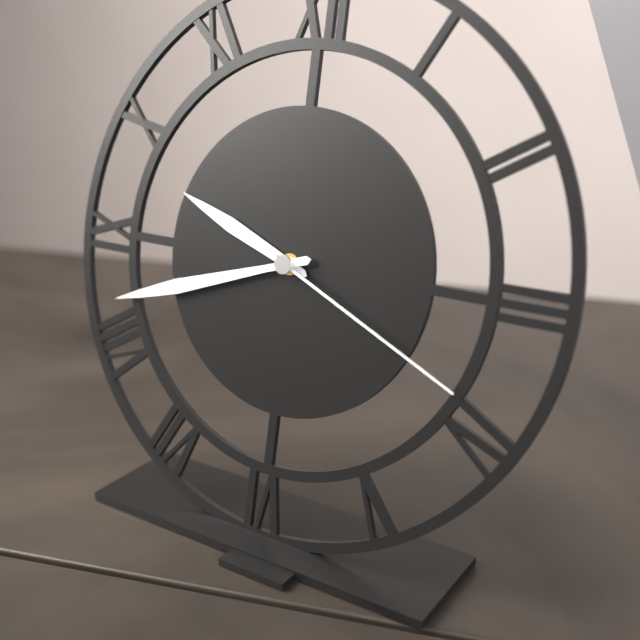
9:42:19
